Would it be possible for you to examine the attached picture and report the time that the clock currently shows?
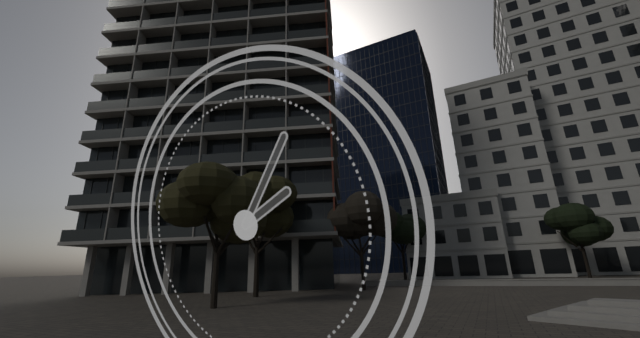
2:06
